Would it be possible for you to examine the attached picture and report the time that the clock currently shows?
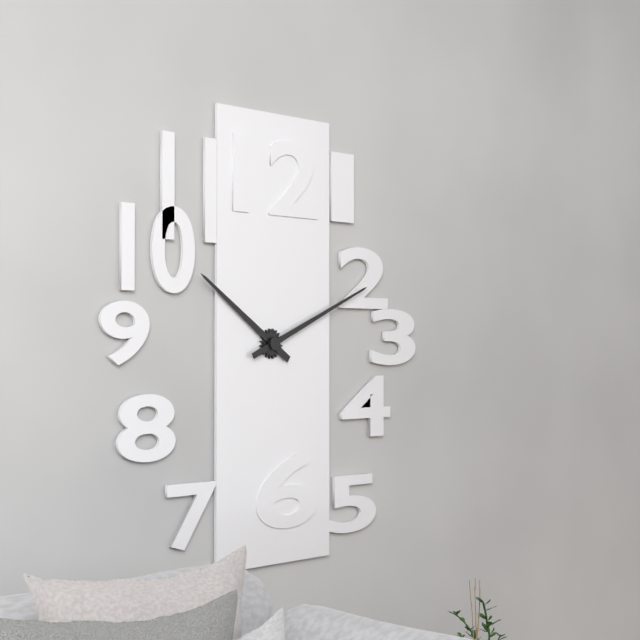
10:11
